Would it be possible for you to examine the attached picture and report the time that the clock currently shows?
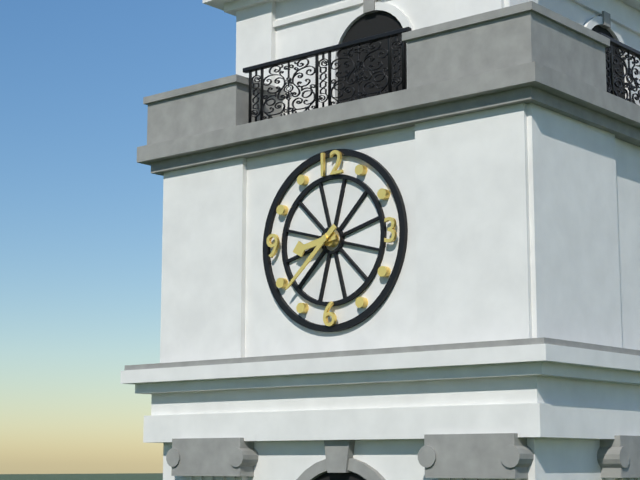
8:38
